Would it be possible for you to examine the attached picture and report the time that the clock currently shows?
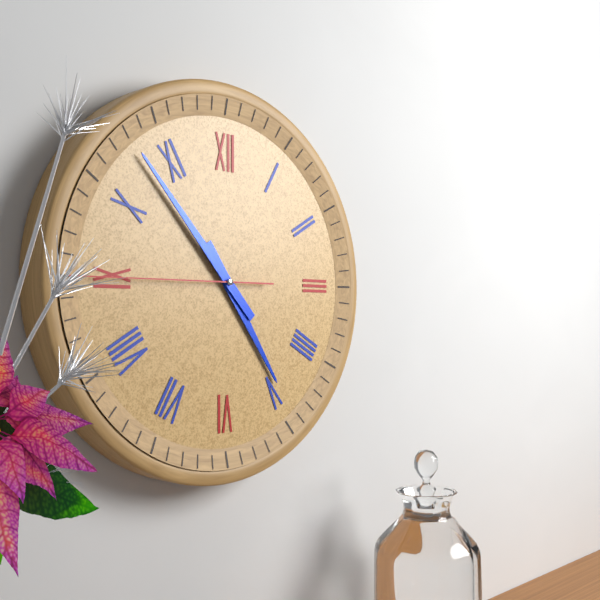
4:53:45
